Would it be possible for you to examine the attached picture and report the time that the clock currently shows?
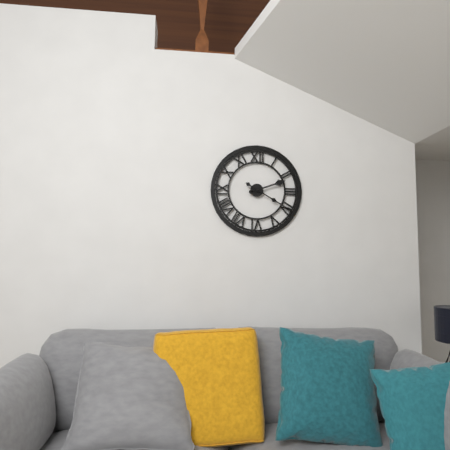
2:20
